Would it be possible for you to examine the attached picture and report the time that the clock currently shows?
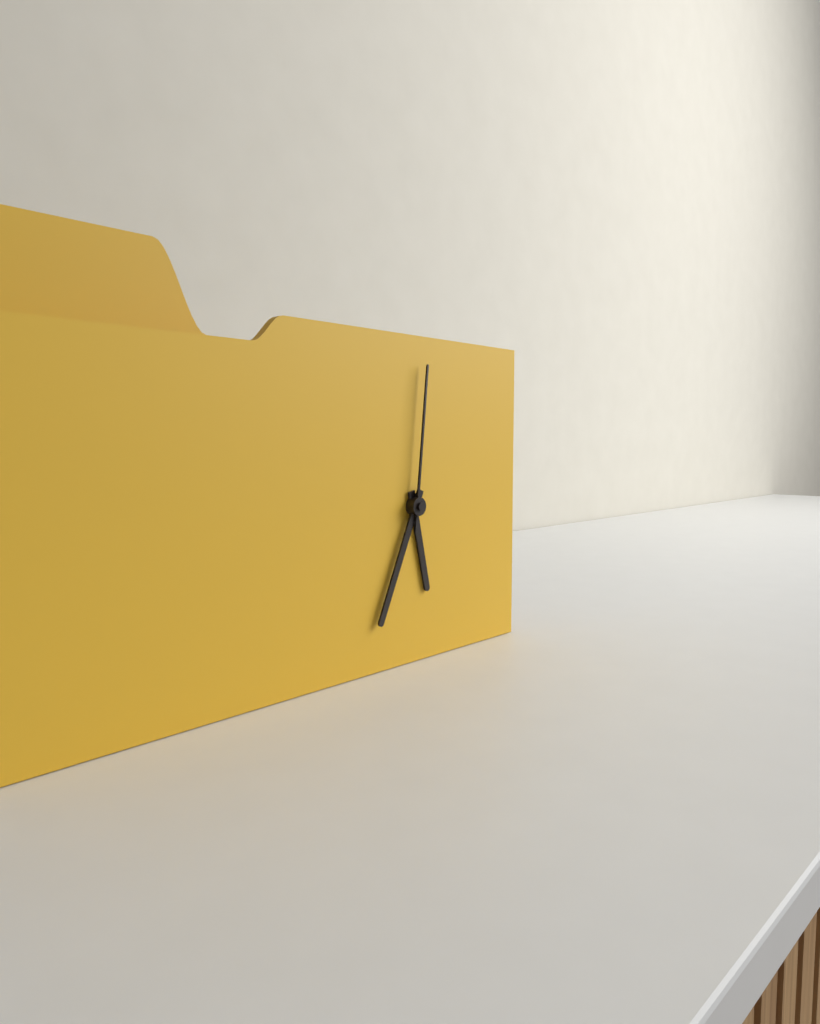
5:34:01
